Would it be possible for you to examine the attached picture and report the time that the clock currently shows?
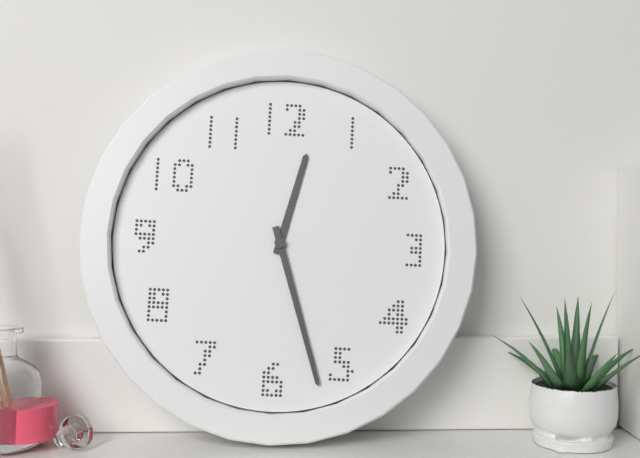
12:27
